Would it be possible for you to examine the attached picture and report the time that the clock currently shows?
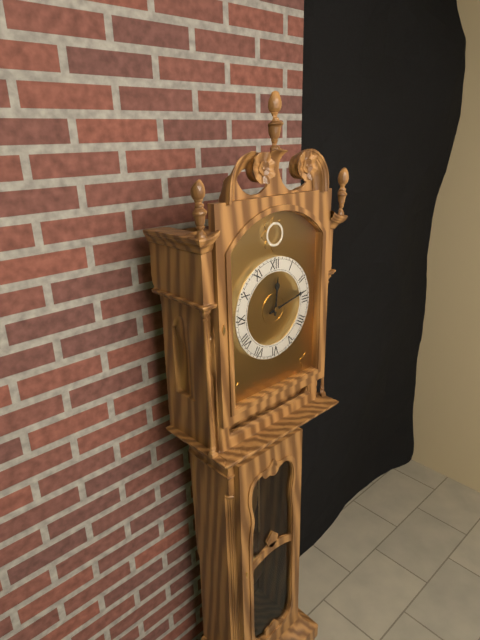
12:13
